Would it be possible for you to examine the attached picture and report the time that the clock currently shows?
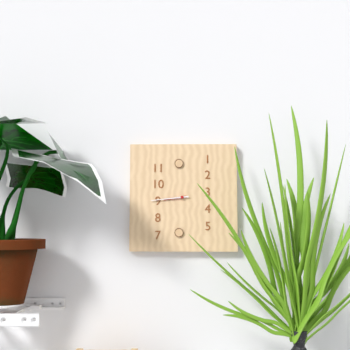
8:44
